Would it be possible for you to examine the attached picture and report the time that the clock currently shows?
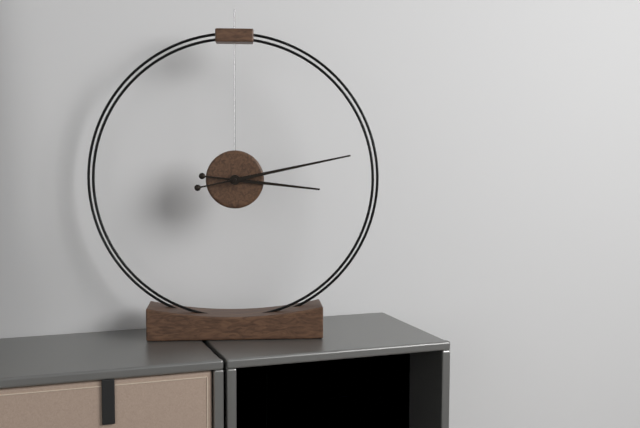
3:13
